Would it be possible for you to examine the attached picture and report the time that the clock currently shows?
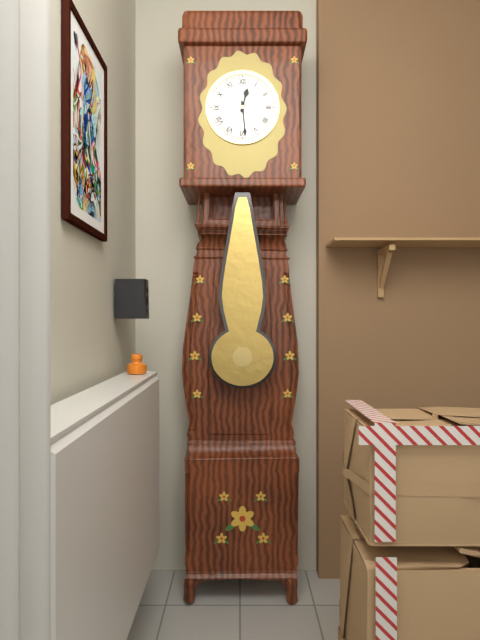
12:29
